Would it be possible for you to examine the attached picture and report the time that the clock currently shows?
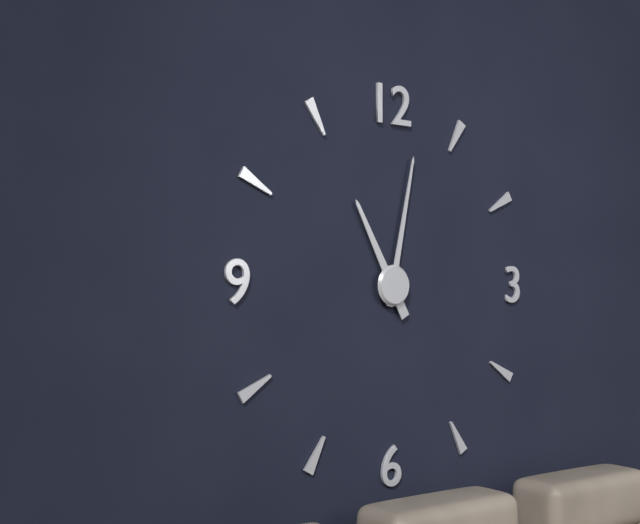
11:02
